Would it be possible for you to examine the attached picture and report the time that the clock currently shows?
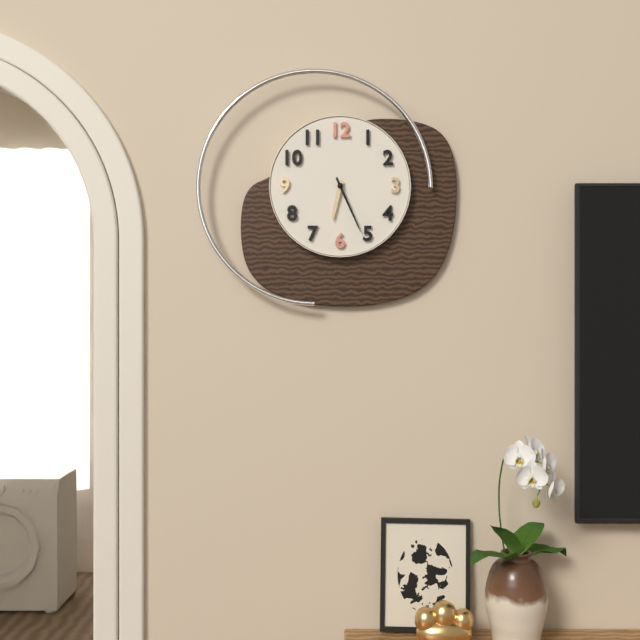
6:26
